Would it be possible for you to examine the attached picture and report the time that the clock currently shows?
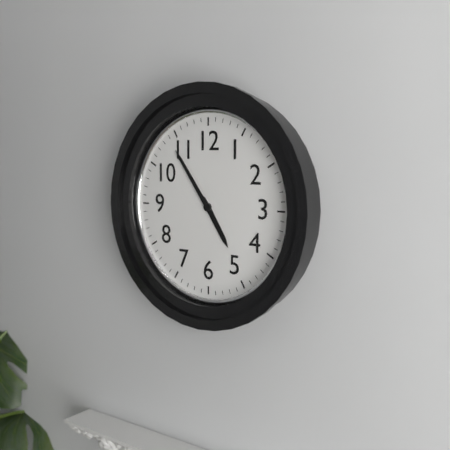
4:54
